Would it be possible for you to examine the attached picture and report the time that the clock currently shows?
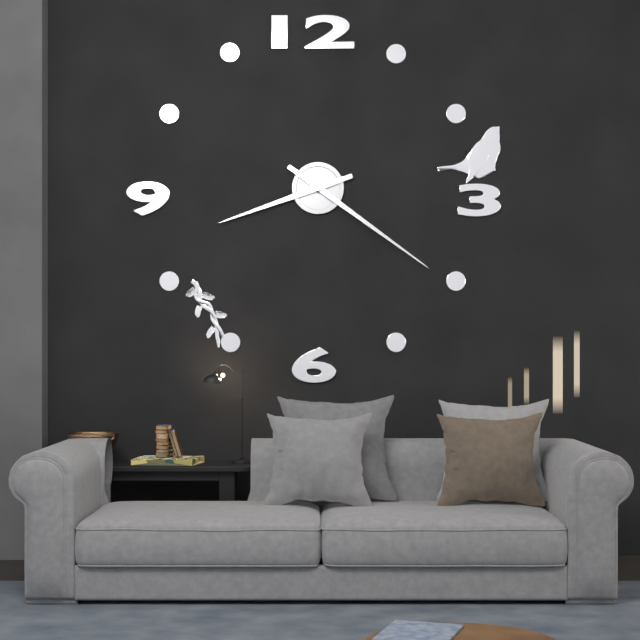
8:21
